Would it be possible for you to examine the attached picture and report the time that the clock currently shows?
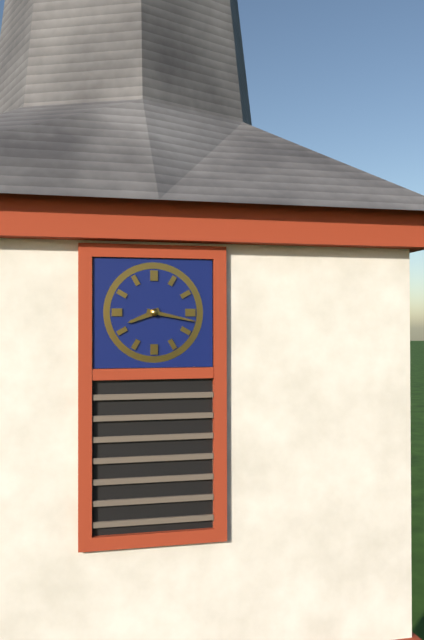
8:17
